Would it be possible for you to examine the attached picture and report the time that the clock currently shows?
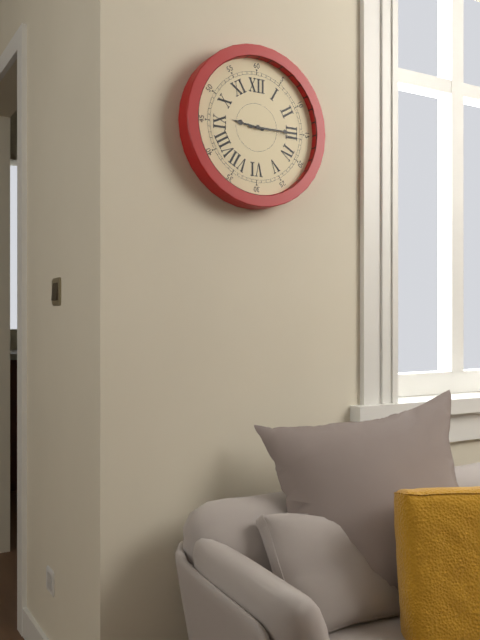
9:15:16
